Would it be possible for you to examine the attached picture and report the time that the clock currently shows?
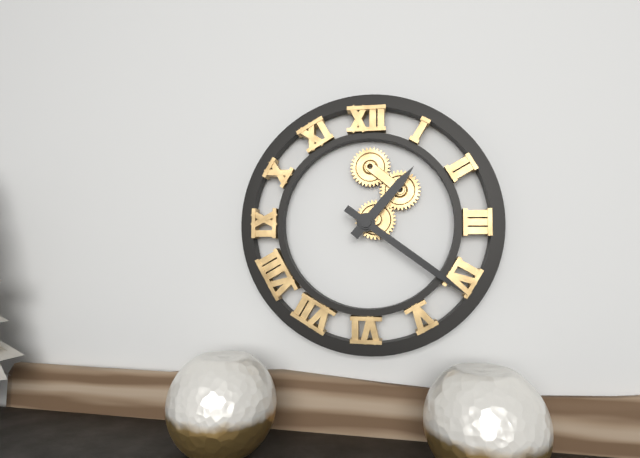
1:21
